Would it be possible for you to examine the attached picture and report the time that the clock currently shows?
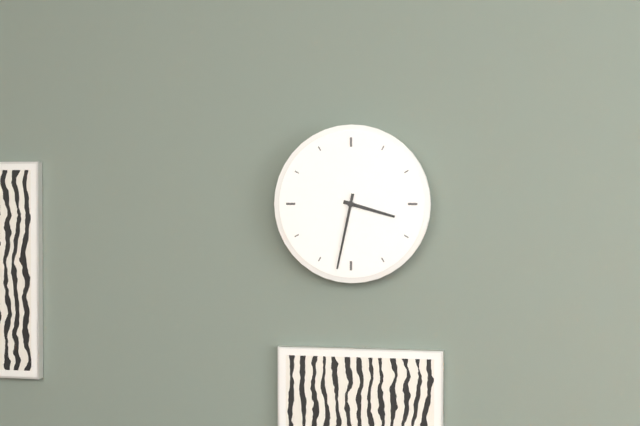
3:32
